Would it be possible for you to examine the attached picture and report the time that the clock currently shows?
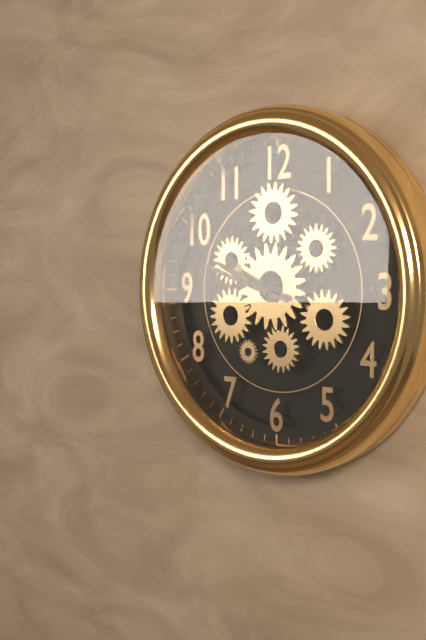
9:48
